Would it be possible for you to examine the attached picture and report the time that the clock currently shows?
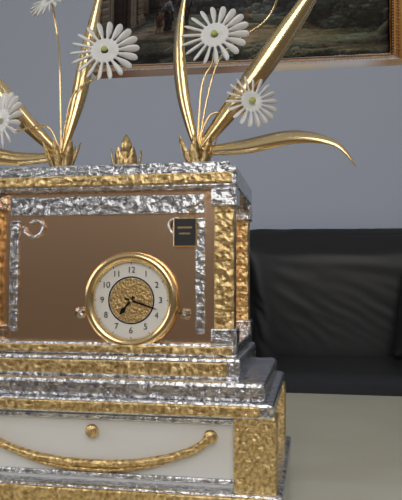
7:18
